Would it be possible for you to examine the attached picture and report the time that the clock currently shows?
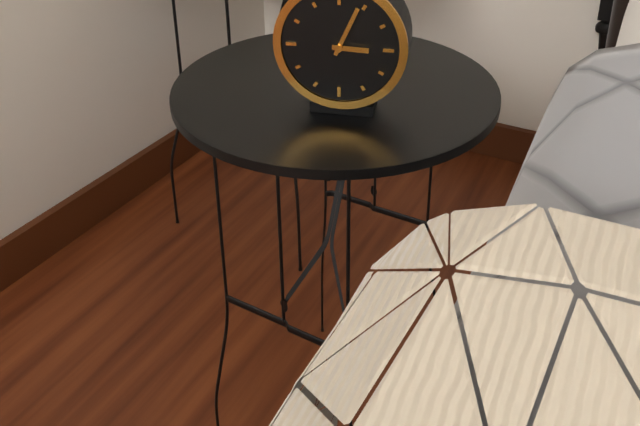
3:04
